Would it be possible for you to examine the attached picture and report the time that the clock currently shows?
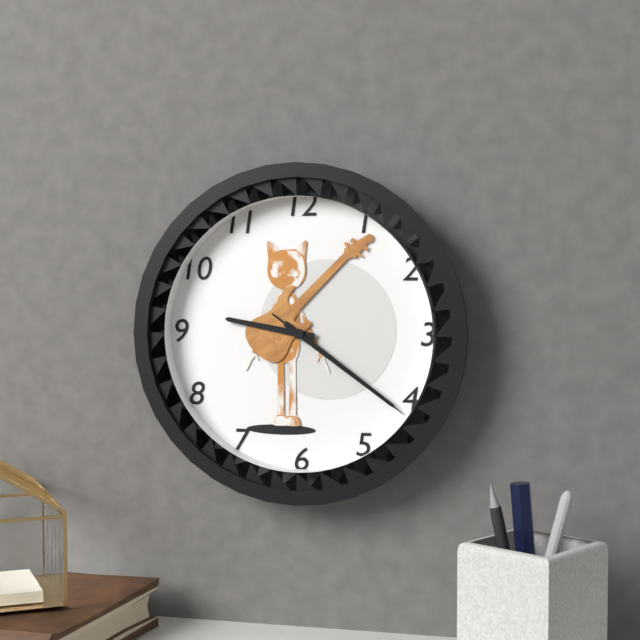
9:21:21
